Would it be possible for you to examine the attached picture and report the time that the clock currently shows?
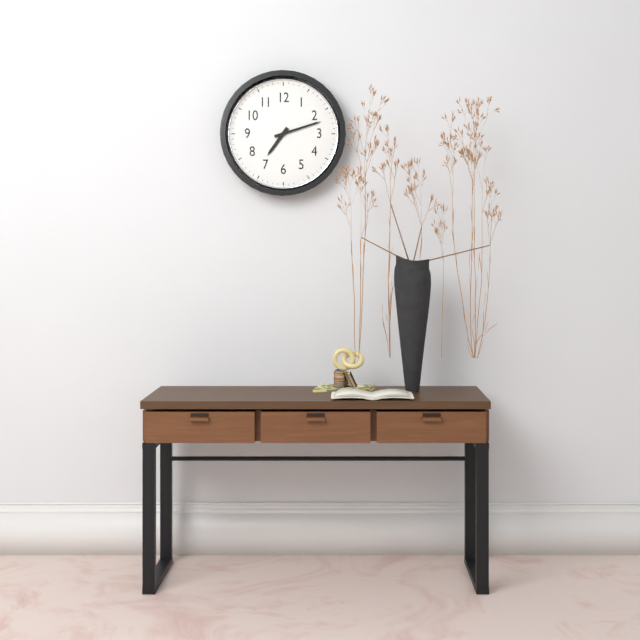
7:12
